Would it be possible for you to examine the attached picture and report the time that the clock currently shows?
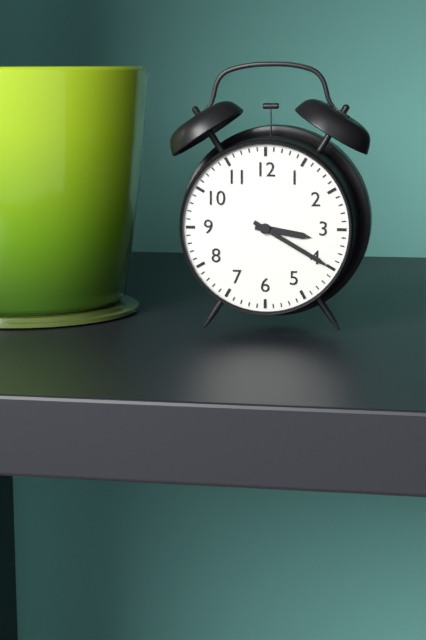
3:20
